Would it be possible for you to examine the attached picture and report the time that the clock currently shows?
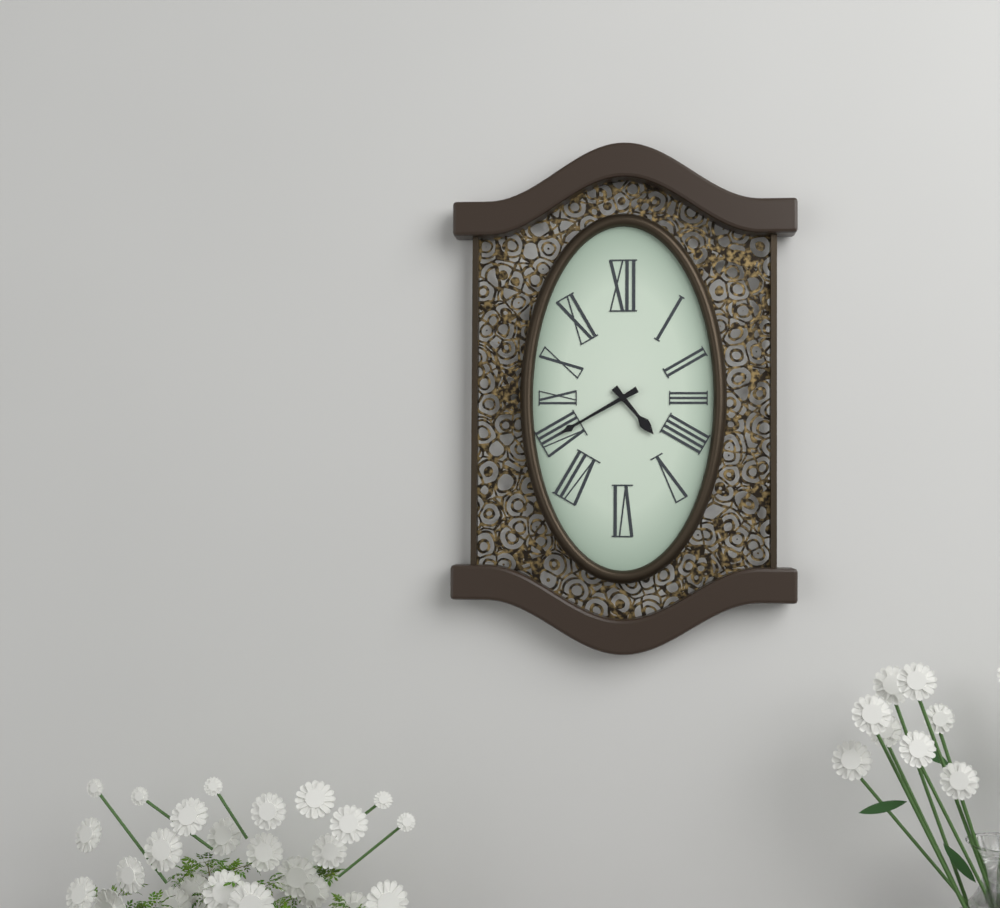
4:40
